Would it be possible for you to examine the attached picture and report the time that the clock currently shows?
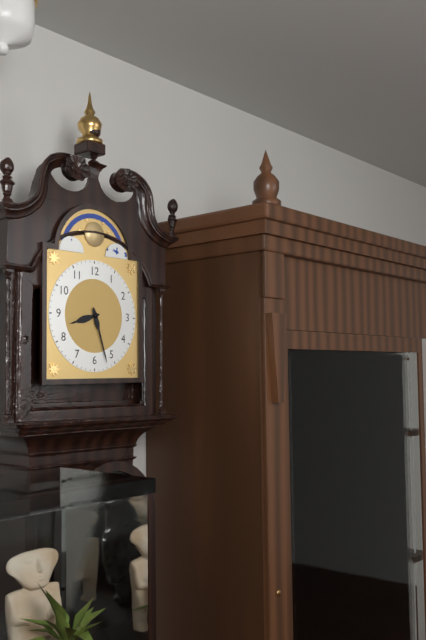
8:27
